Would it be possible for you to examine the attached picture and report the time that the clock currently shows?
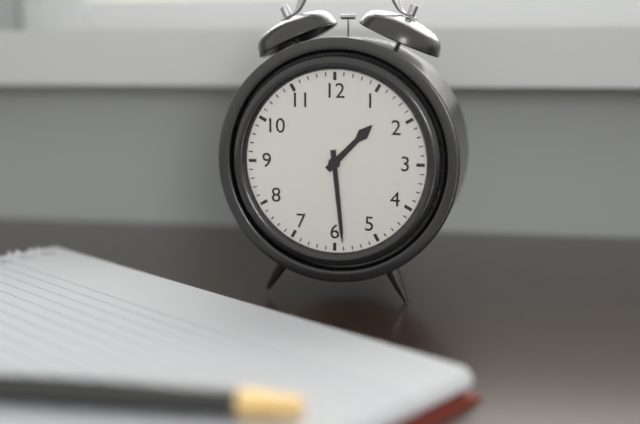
1:29
